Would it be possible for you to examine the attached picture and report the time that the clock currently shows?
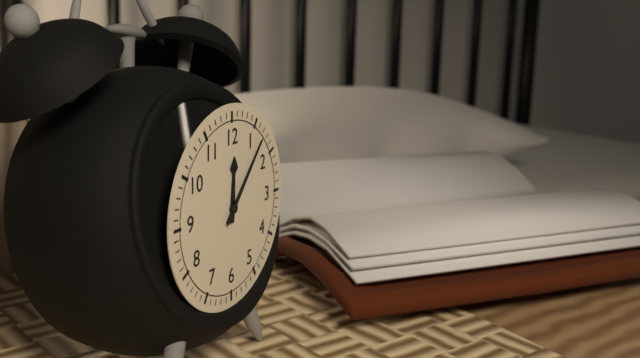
12:07
